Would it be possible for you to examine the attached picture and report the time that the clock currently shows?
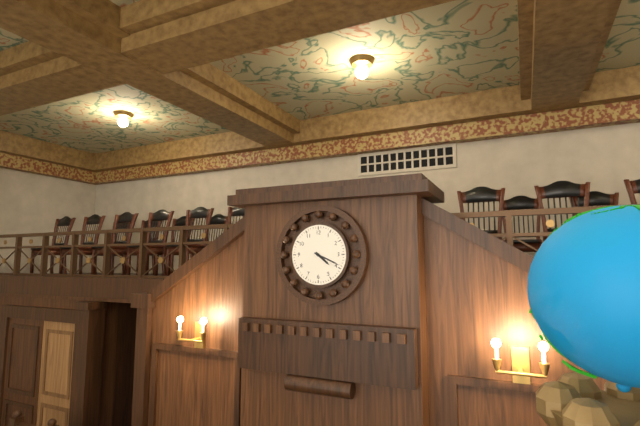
4:19
